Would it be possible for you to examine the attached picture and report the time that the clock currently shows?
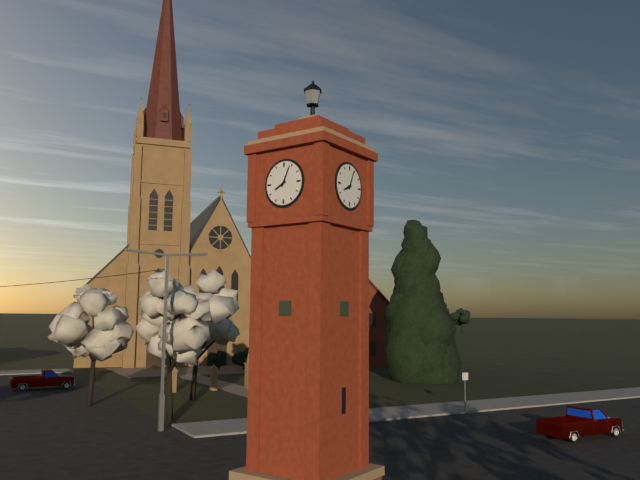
8:04
